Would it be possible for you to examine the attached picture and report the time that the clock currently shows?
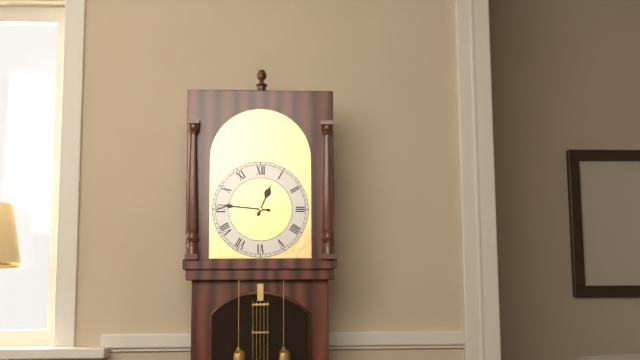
12:46
